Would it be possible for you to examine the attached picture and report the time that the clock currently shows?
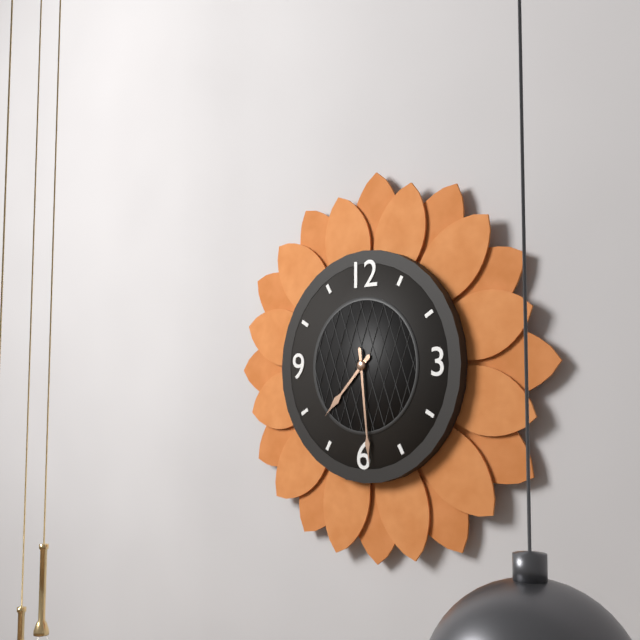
7:29
